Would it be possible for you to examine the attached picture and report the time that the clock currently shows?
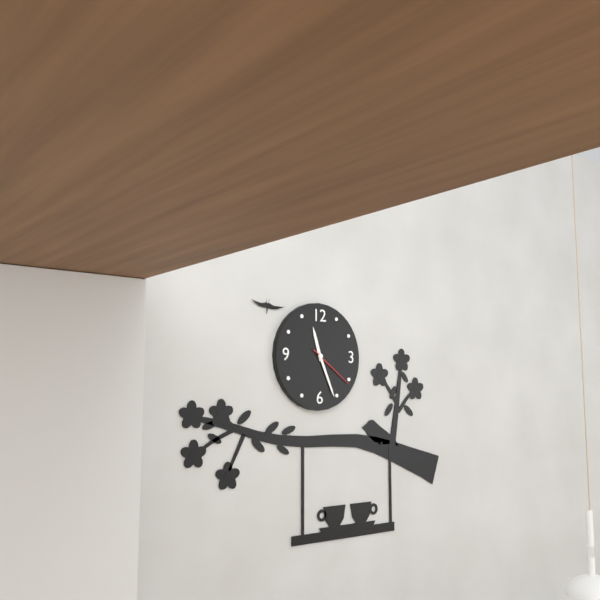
11:26:21
